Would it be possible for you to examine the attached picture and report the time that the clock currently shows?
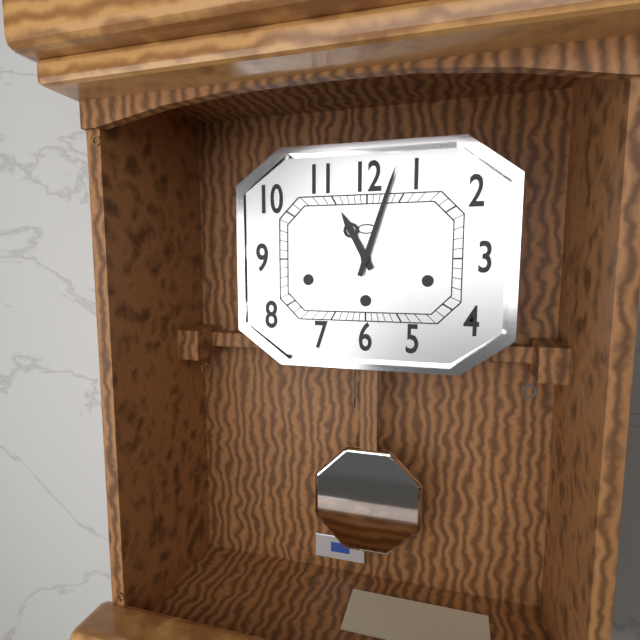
11:03
